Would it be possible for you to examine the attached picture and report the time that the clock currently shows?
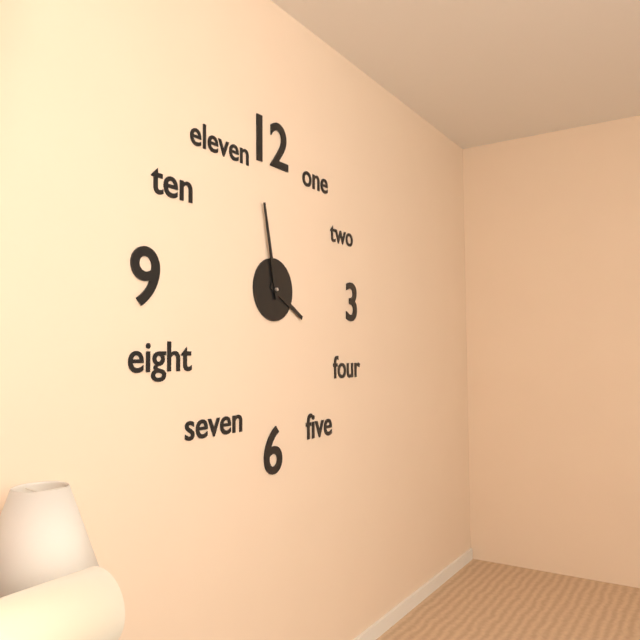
3:58
